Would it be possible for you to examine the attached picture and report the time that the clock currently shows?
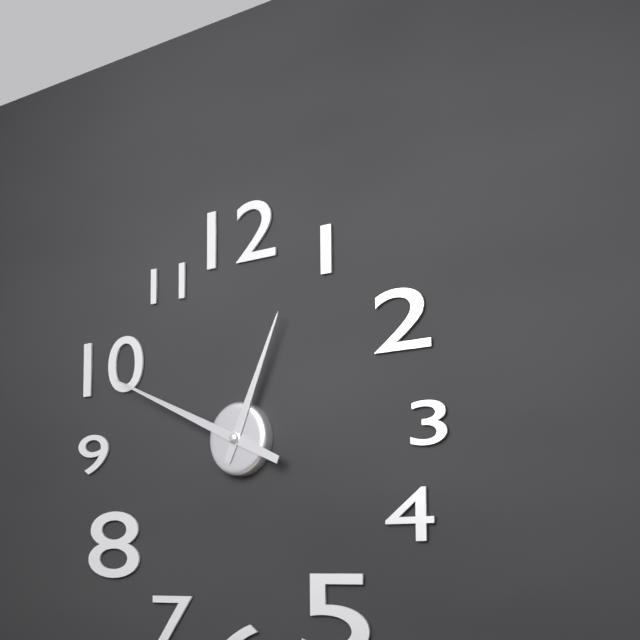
12:49
